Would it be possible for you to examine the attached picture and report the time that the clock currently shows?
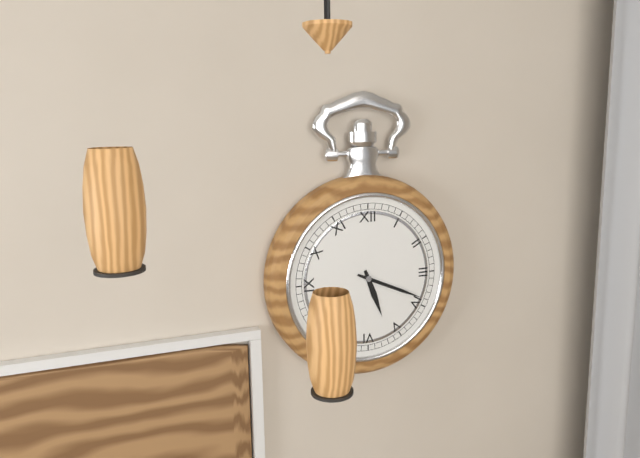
5:19
